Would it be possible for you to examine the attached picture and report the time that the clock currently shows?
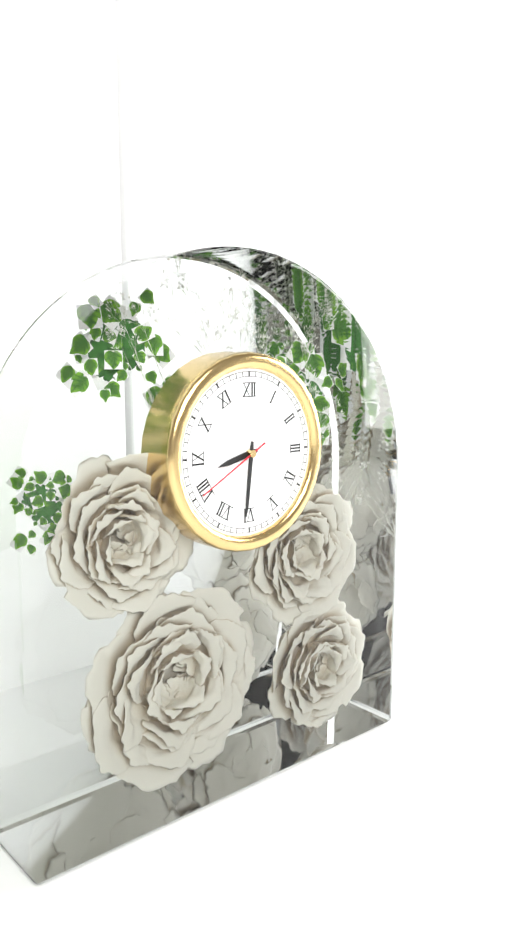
8:31:40
